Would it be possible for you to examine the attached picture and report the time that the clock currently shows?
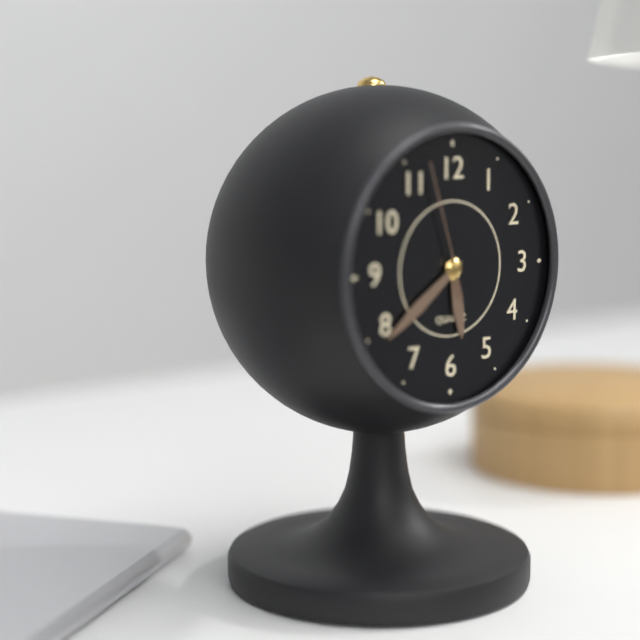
5:39:57
